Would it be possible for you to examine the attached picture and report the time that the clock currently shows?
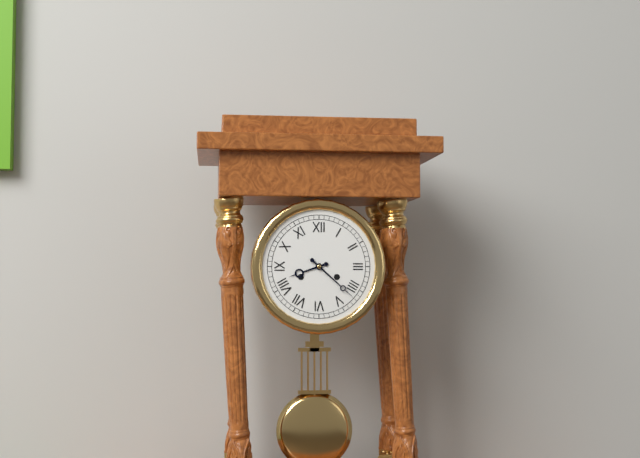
8:22
